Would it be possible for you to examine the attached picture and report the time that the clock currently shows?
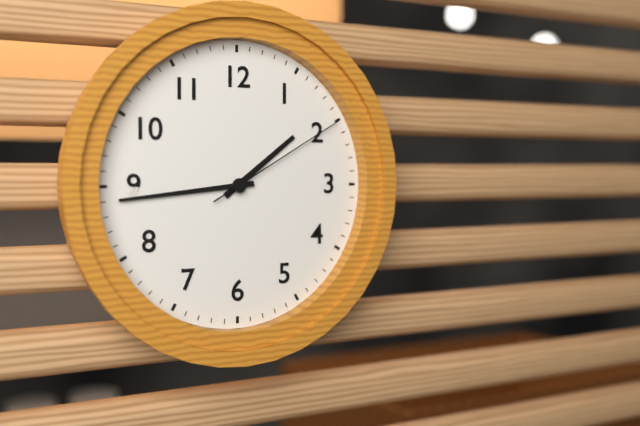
1:44:10
